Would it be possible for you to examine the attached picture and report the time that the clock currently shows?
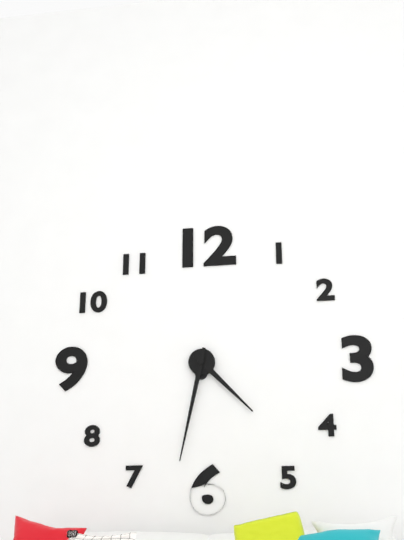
4:32
